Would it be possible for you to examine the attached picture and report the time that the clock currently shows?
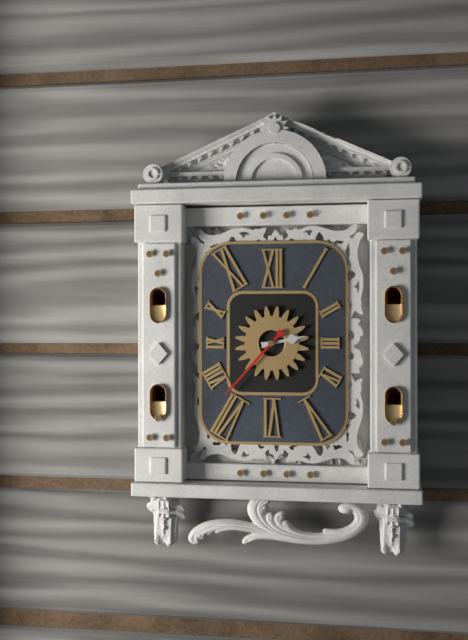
2:37
